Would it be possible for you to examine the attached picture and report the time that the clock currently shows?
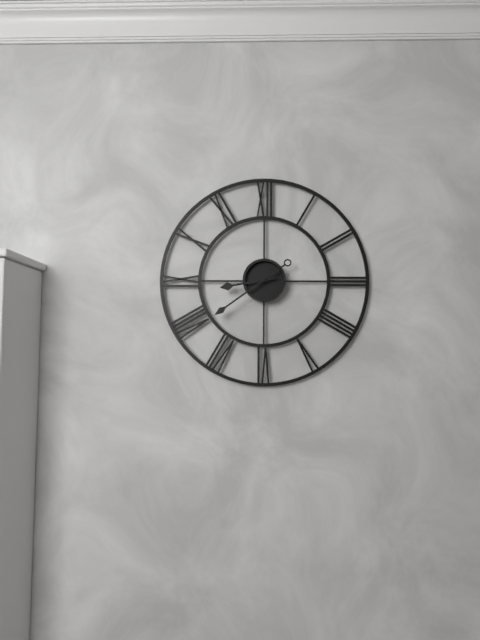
8:39
